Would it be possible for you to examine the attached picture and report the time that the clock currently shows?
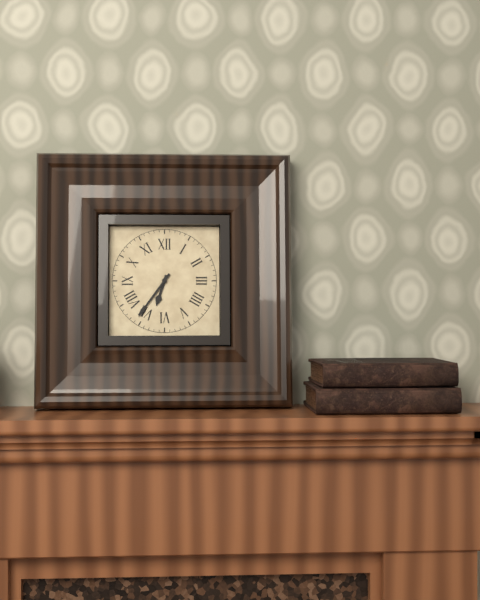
6:36
